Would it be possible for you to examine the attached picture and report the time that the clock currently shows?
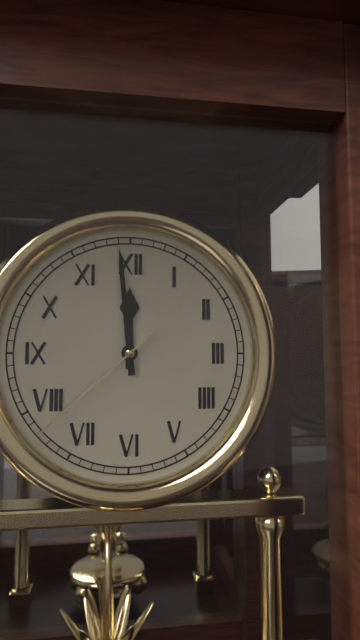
11:59:38
